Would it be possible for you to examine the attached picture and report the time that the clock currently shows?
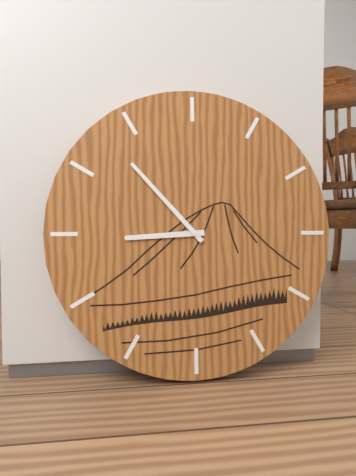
8:53
